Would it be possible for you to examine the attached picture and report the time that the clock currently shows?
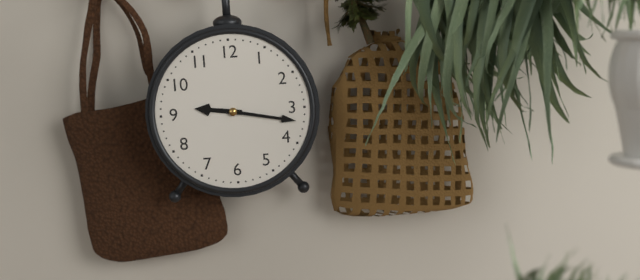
9:17
